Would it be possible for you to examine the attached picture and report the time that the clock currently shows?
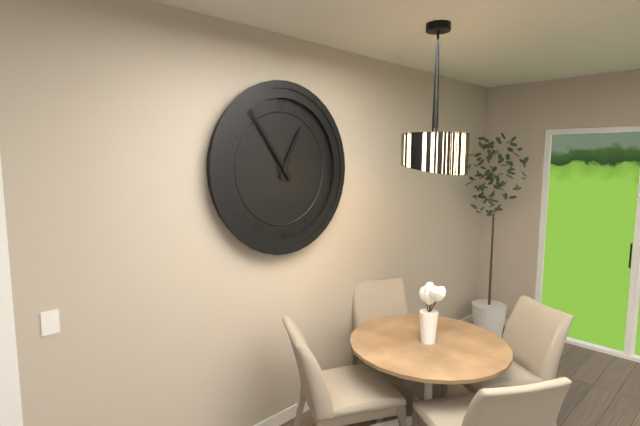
12:54
